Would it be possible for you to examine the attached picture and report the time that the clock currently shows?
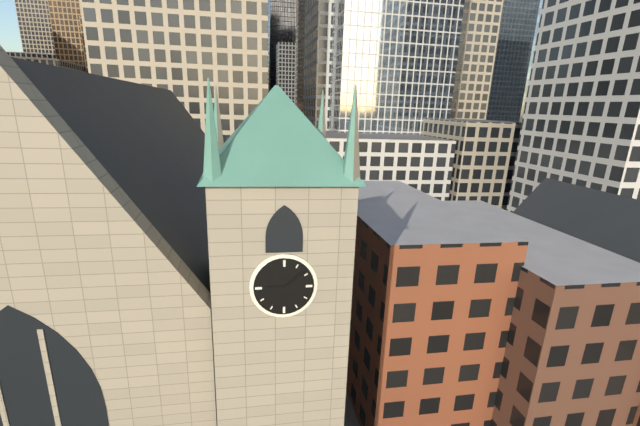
9:08
